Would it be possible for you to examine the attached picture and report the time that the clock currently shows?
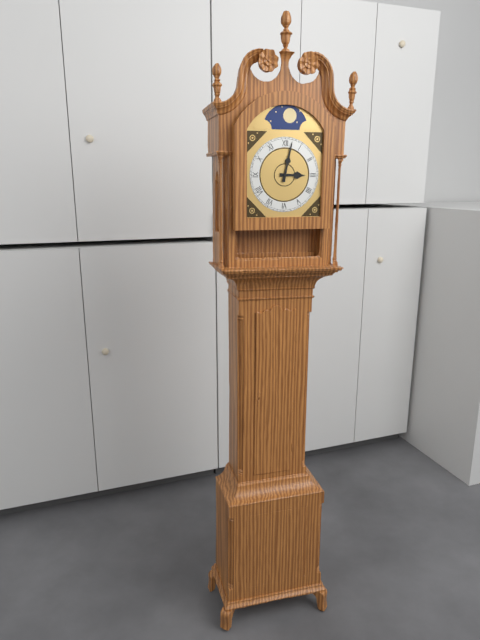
3:02
